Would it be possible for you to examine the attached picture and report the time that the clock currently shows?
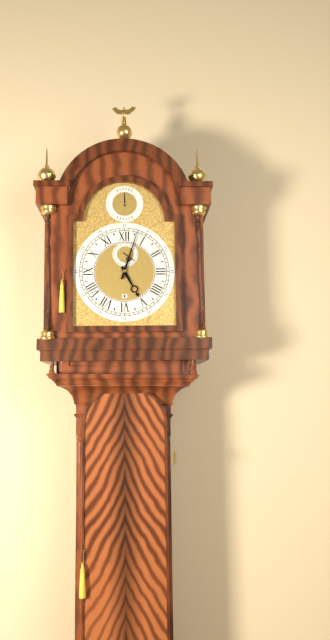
5:03
